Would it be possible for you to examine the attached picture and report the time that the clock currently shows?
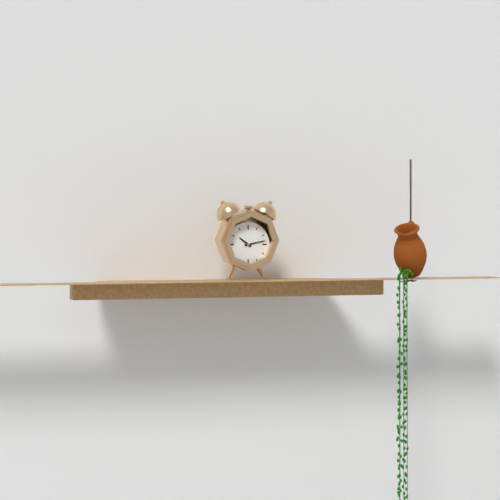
10:13
